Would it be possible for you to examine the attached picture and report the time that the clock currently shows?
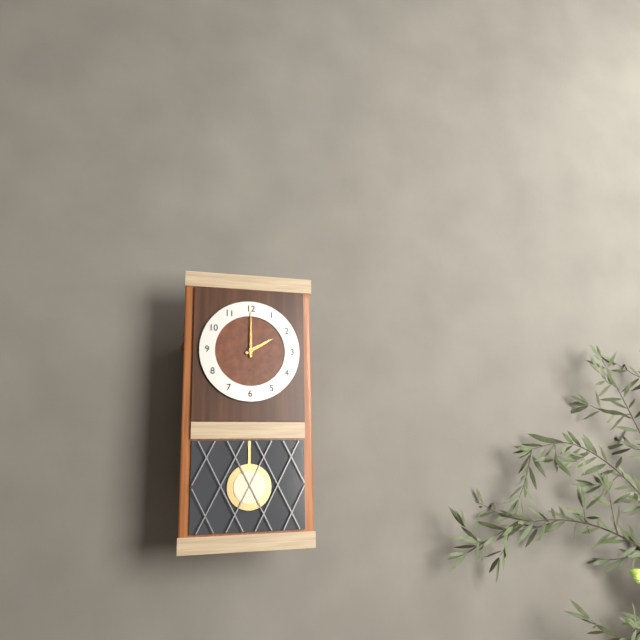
2:00
